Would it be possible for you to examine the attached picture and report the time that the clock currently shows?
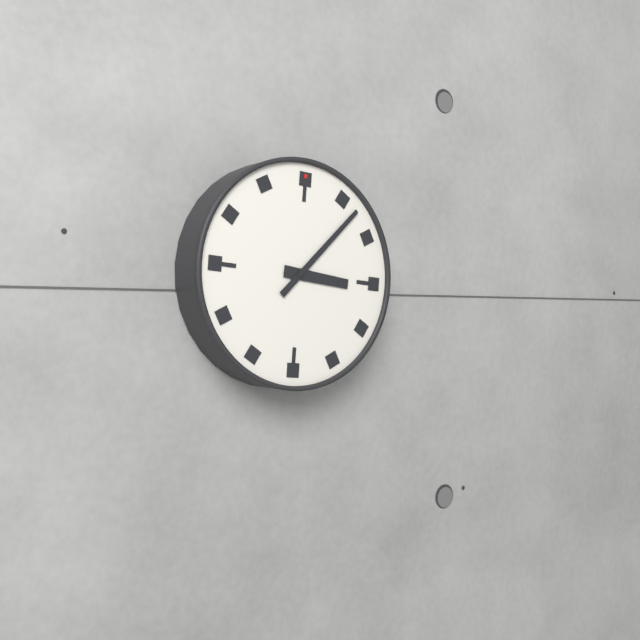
3:07
